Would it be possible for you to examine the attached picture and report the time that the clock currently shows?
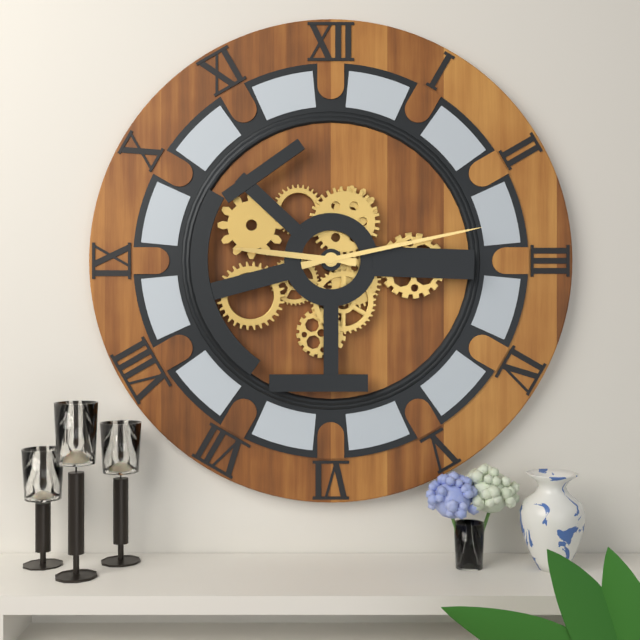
9:13
